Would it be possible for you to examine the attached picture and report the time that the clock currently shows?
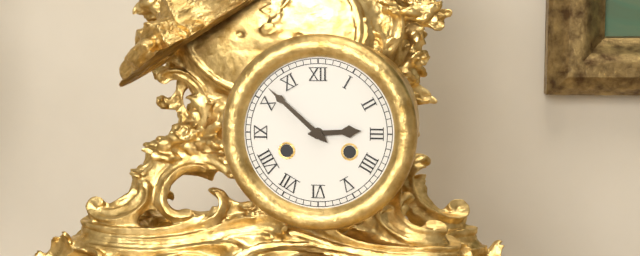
2:52
